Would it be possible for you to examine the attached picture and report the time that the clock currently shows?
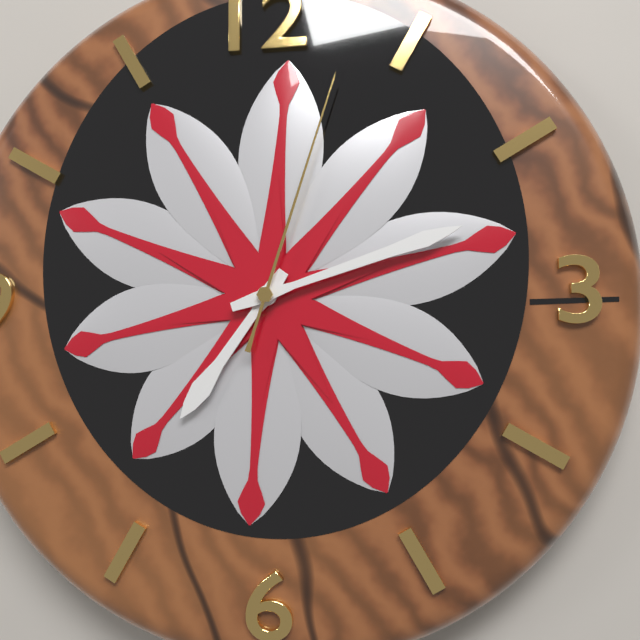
7:12:03
